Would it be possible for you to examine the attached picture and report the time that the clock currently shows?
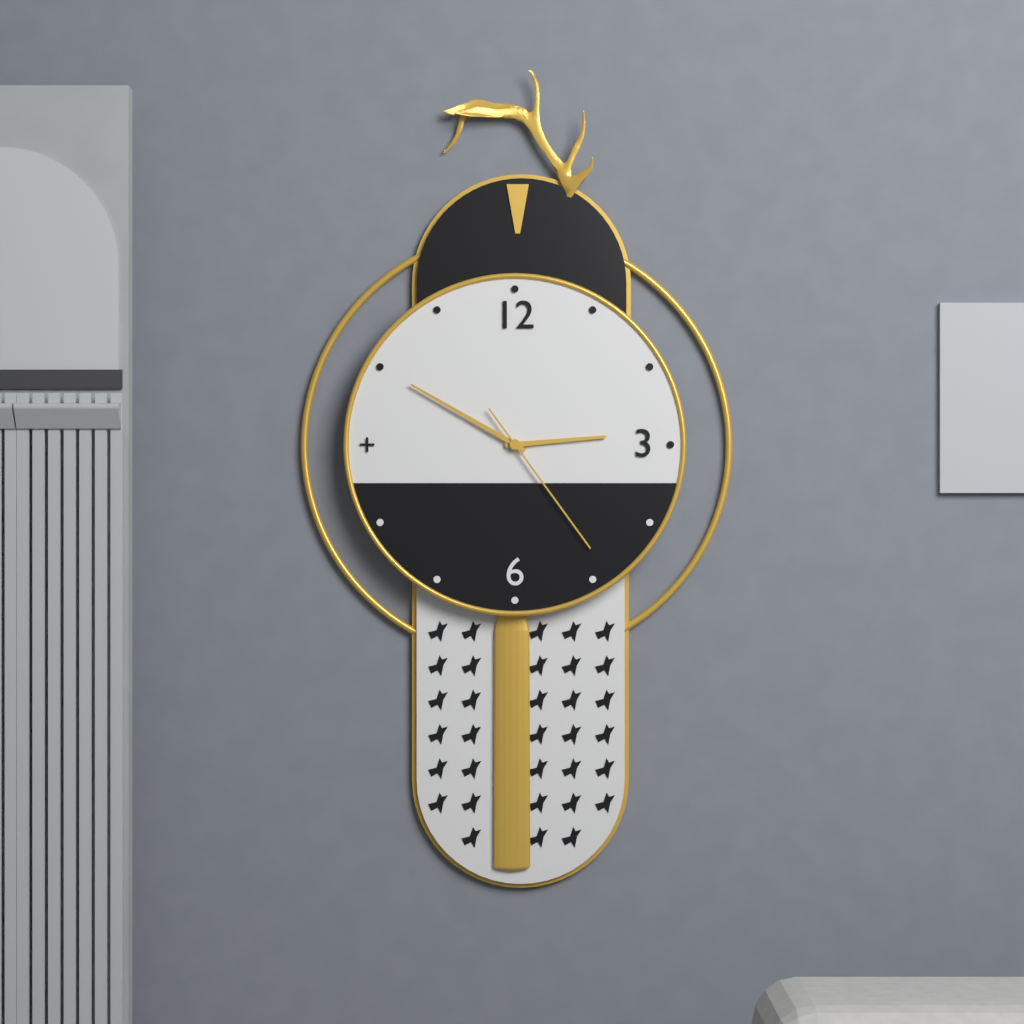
2:50:24
